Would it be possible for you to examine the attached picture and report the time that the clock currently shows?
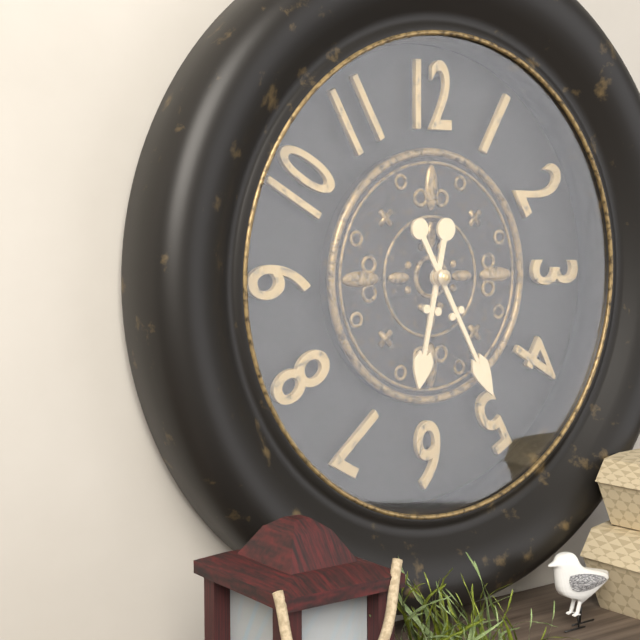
6:25
